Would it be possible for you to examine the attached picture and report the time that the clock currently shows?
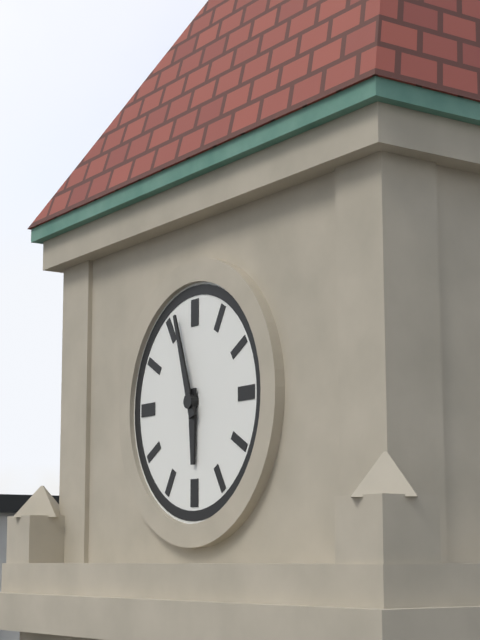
5:57
